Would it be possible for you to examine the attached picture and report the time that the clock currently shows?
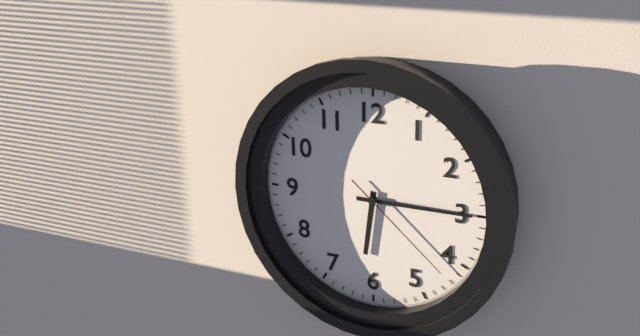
6:15:22
